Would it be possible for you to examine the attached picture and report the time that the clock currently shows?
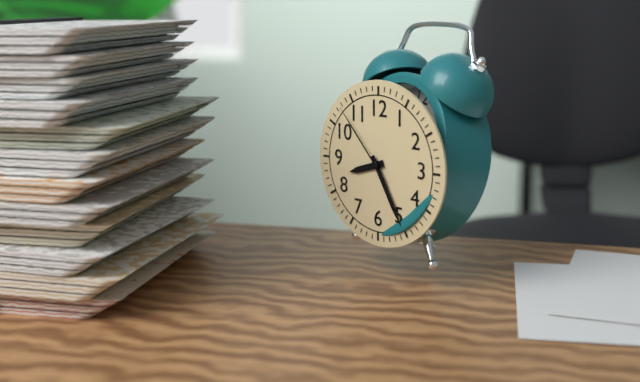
8:25:53
